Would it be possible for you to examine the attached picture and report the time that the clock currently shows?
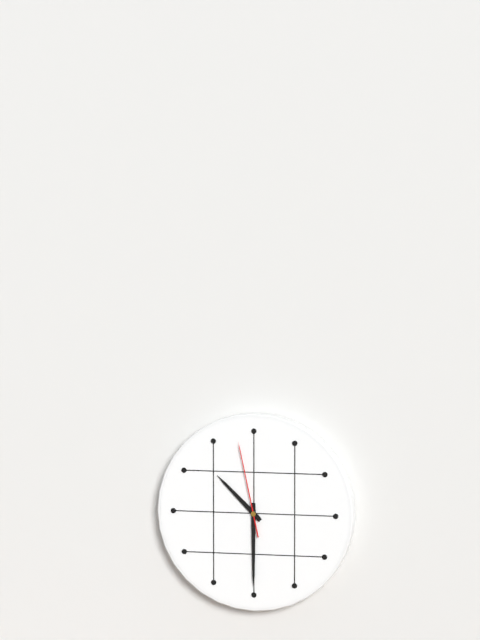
10:30:58
